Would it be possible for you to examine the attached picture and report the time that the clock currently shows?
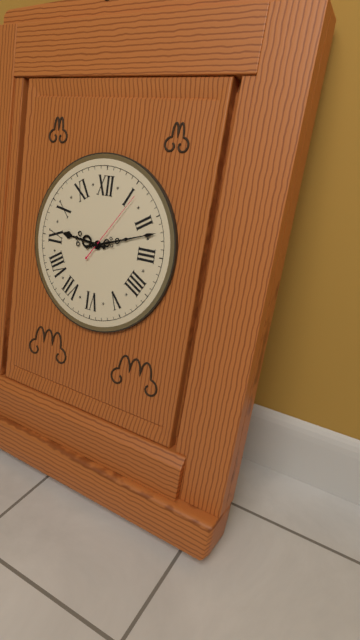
9:12:06
